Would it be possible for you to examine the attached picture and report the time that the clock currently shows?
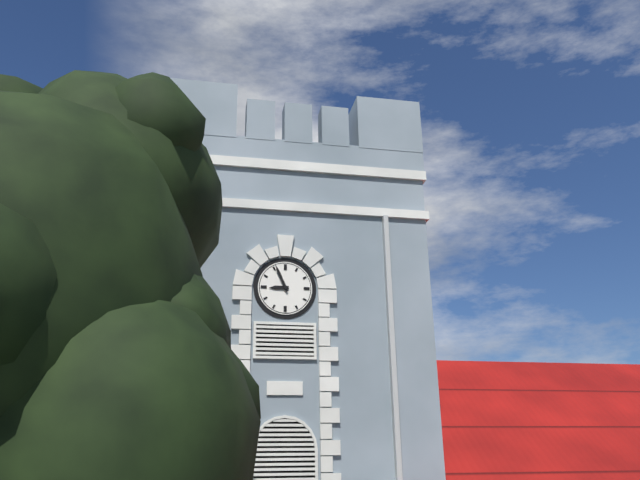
8:56
